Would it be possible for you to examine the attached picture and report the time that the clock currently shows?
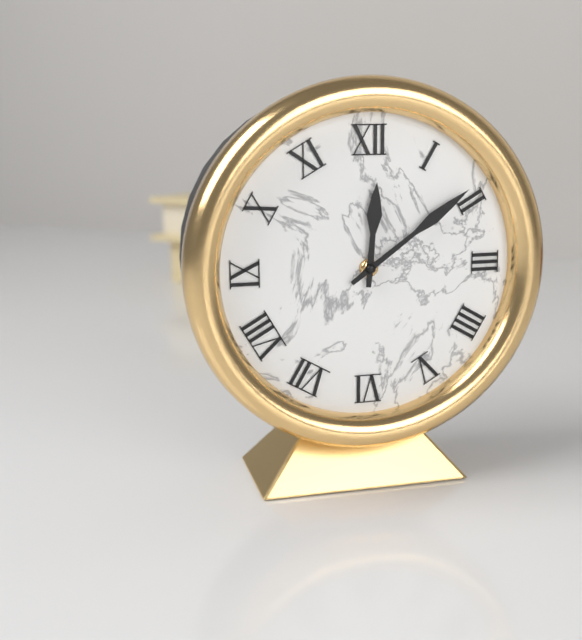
12:09
